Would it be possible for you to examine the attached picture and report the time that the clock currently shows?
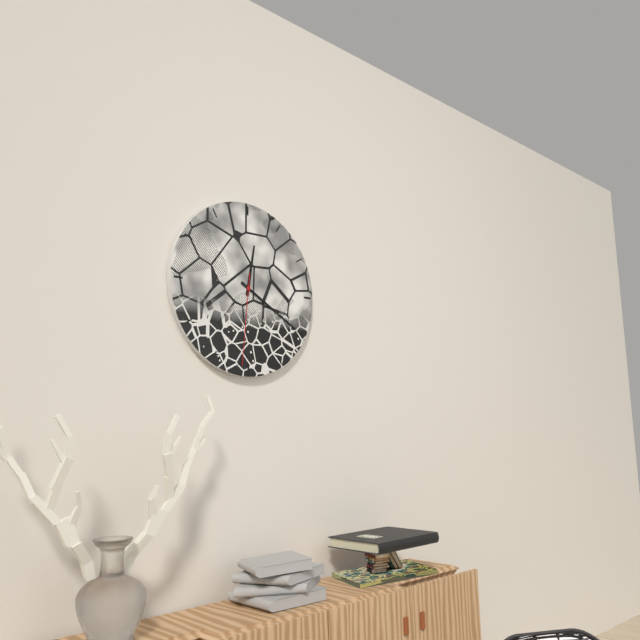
12:20:31
